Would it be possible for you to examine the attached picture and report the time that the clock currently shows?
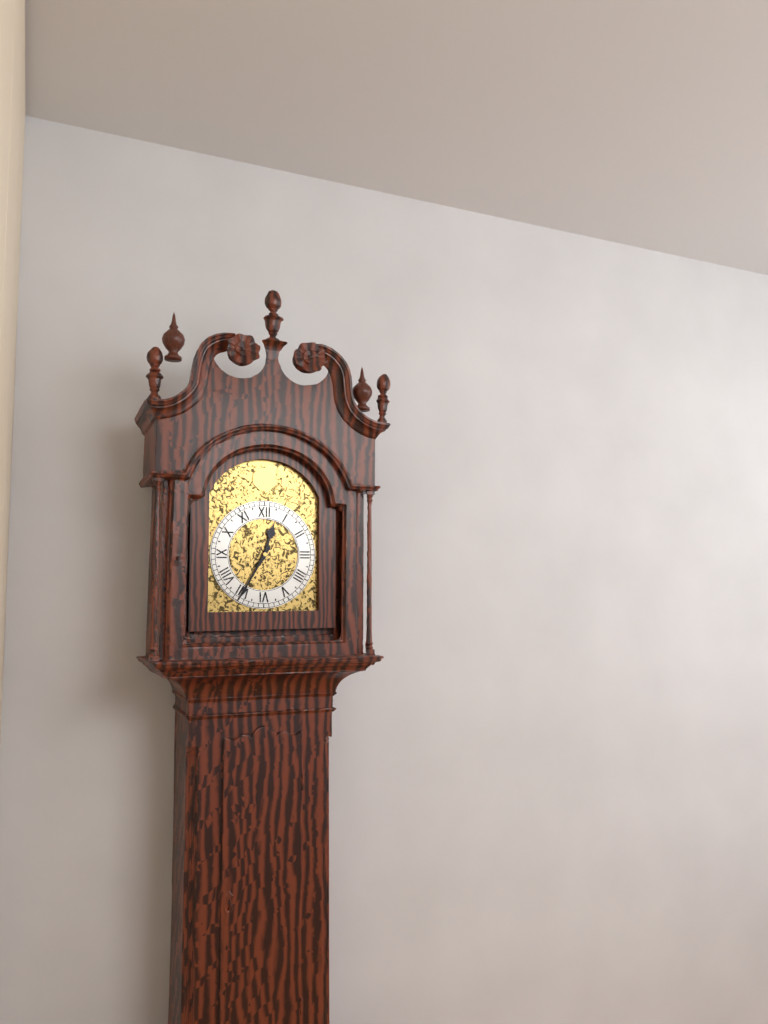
12:35
